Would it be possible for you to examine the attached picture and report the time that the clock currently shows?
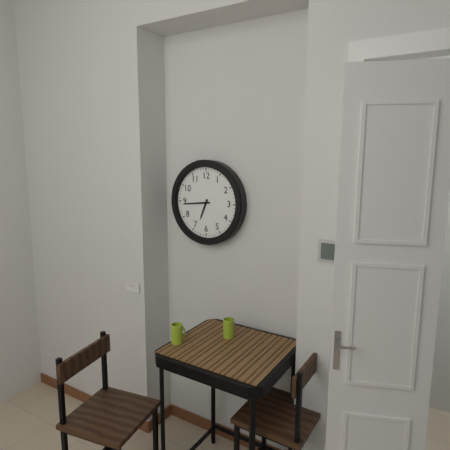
6:44
